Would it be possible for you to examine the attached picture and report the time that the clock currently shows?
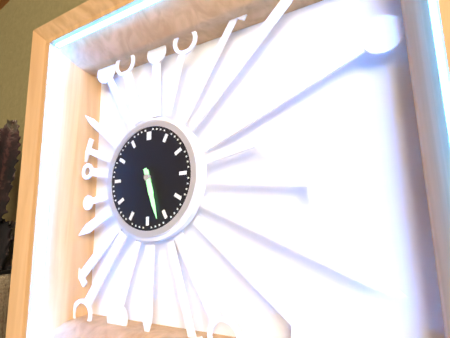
5:27
